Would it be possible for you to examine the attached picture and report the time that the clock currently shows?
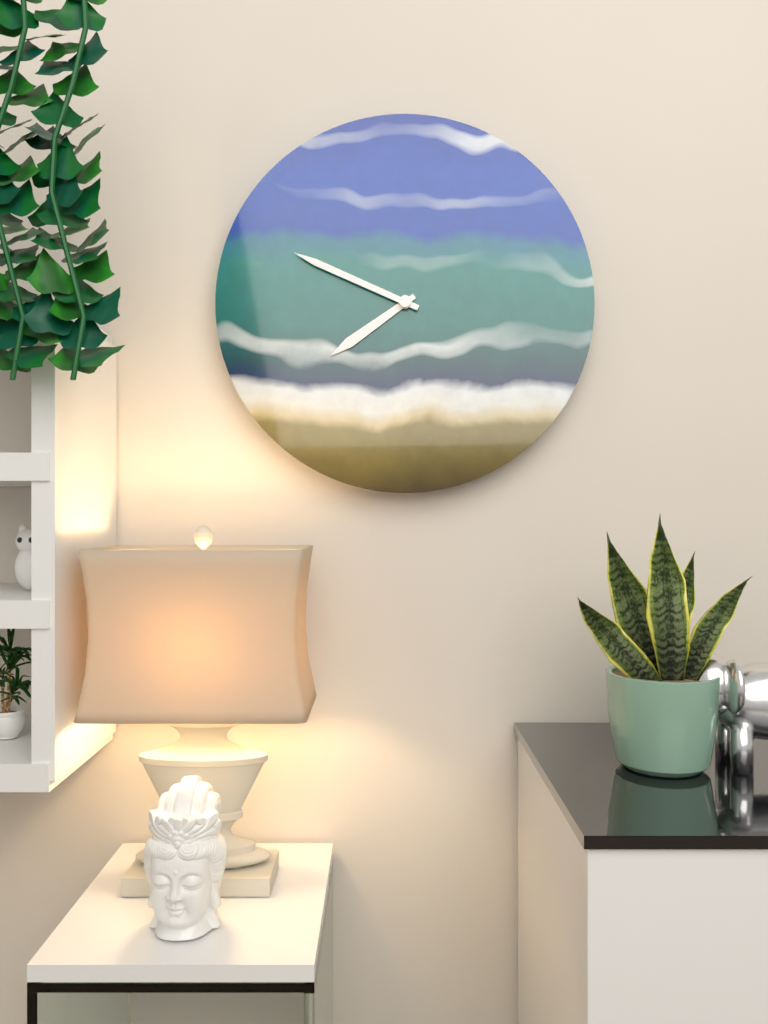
7:49
